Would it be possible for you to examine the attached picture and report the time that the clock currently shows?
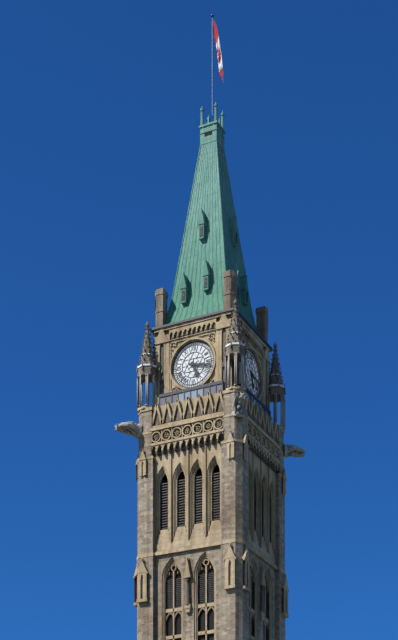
5:17
